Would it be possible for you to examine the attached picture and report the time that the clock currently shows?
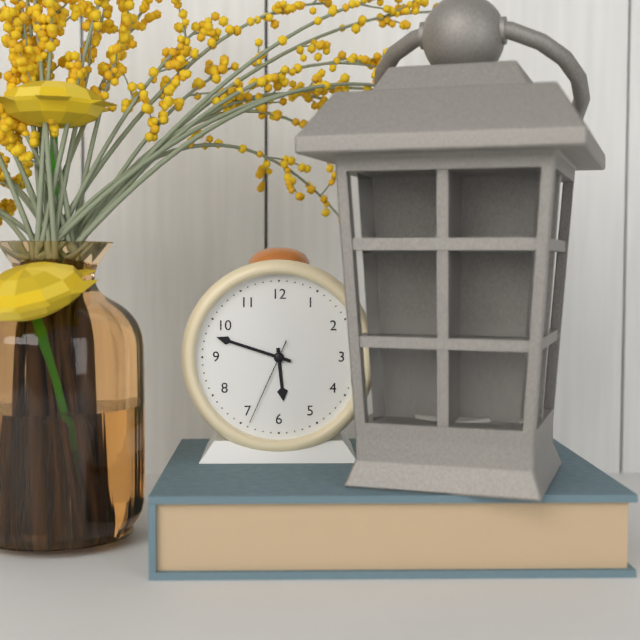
5:48:34
